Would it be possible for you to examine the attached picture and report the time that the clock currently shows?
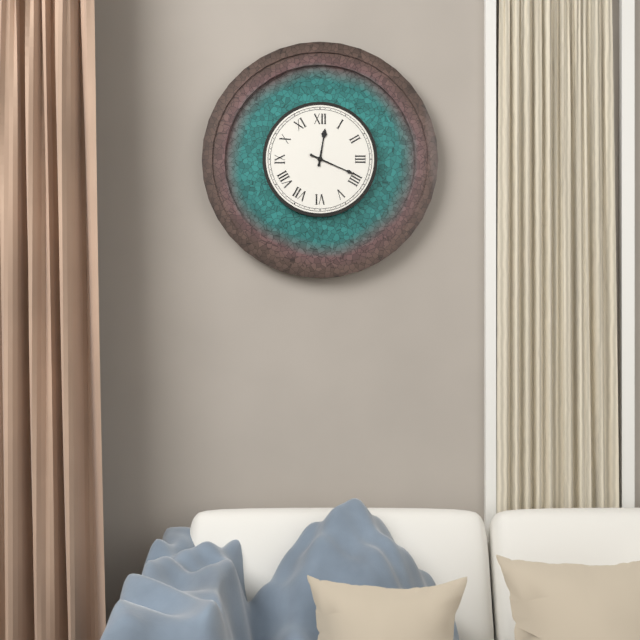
12:19
